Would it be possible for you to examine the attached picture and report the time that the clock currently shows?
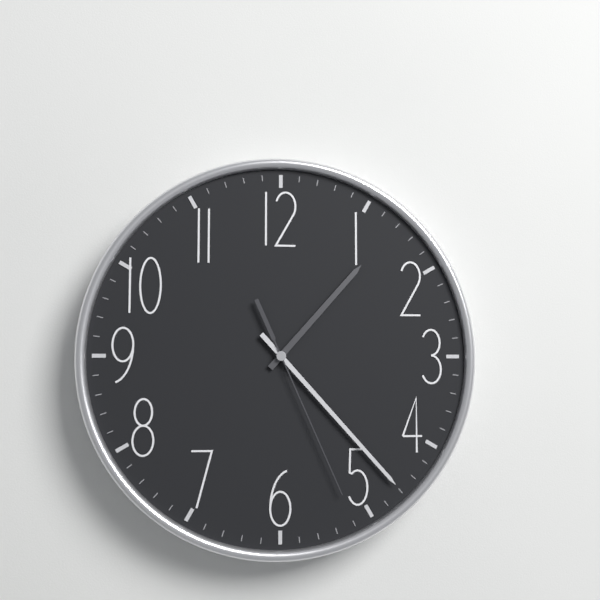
1:23:26
